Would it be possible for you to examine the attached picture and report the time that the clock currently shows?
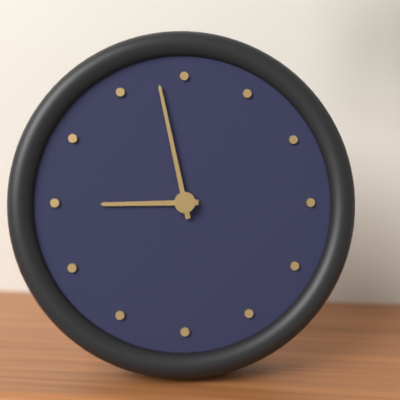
8:58
